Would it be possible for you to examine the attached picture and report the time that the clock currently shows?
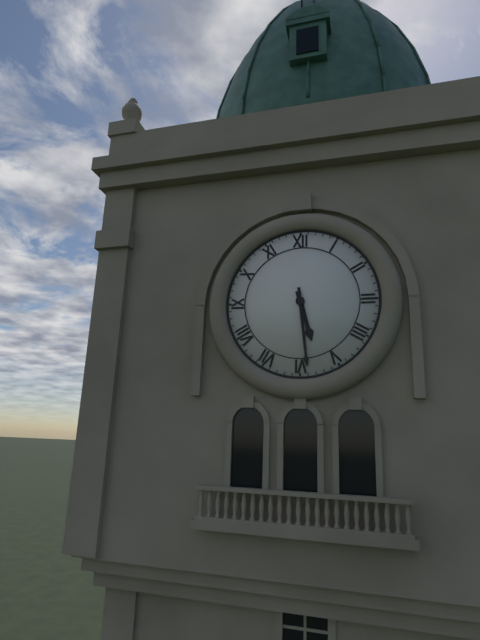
5:29
